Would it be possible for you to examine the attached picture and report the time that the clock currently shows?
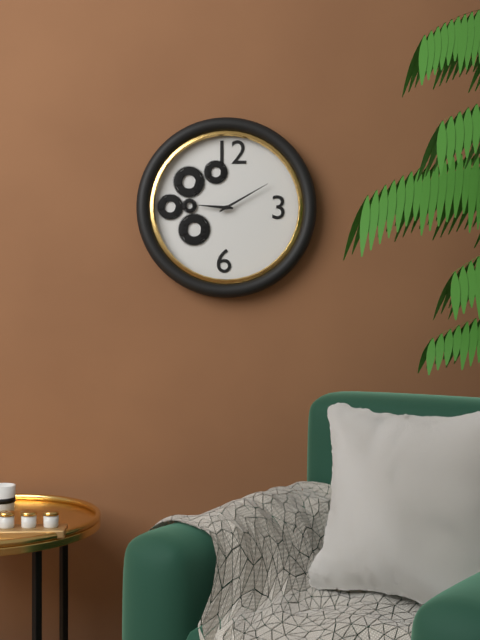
9:10
